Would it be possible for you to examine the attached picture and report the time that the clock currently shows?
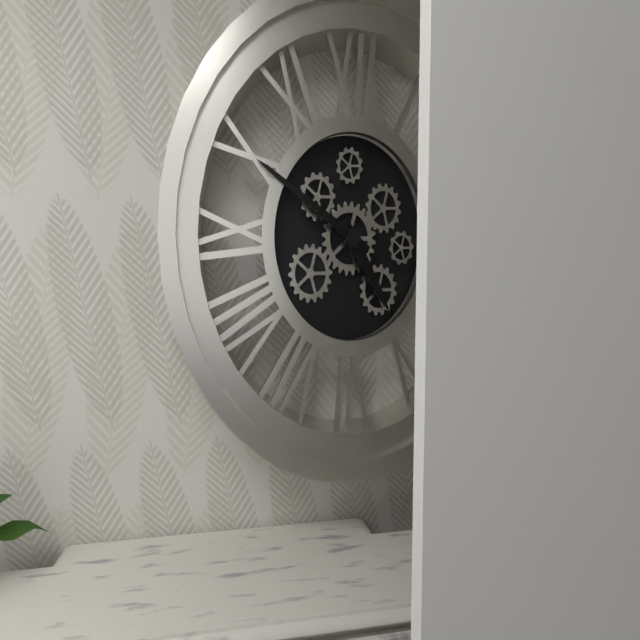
4:50
